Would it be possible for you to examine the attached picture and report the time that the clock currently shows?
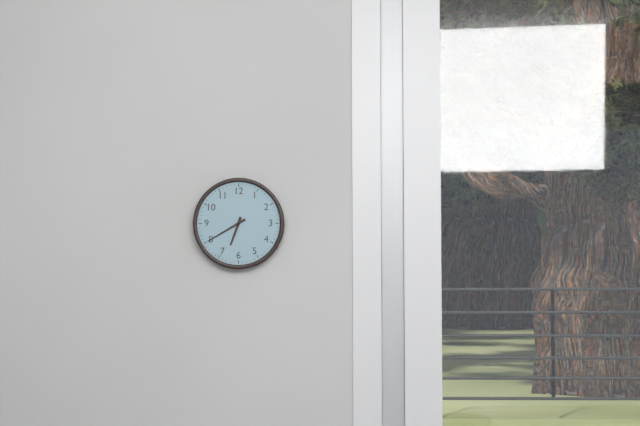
6:40
